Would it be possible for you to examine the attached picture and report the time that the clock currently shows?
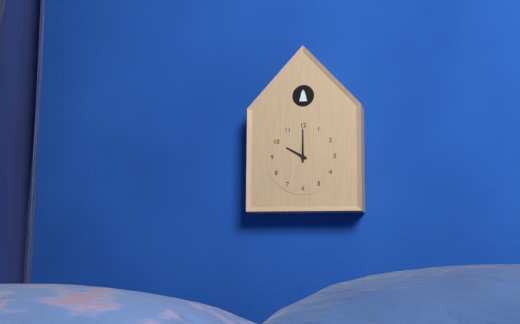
10:00
